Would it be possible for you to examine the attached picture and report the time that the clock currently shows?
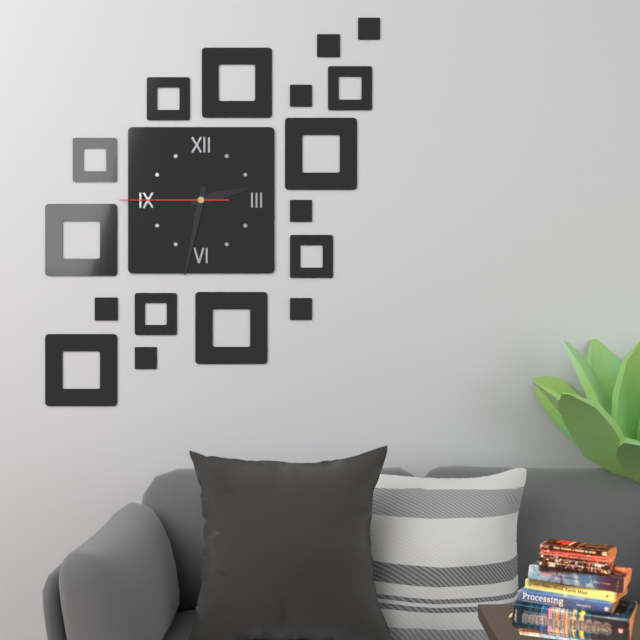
2:32:45
